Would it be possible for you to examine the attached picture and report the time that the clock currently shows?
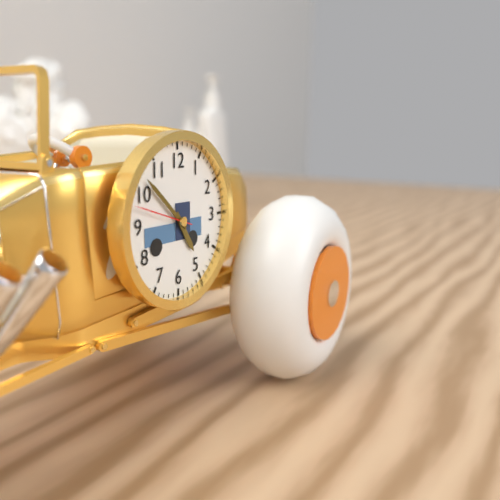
4:52:48
